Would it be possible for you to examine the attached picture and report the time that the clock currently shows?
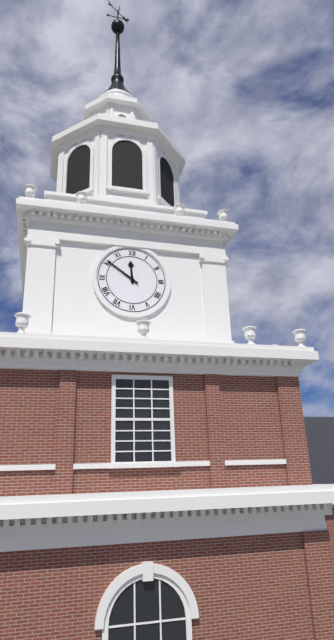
11:51
